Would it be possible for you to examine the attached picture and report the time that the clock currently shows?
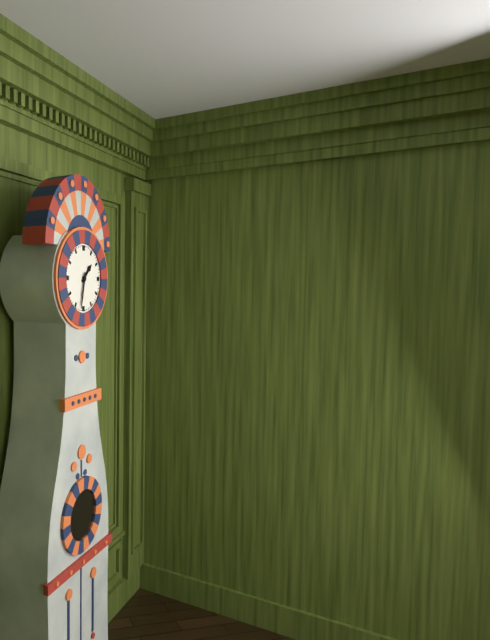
1:32
